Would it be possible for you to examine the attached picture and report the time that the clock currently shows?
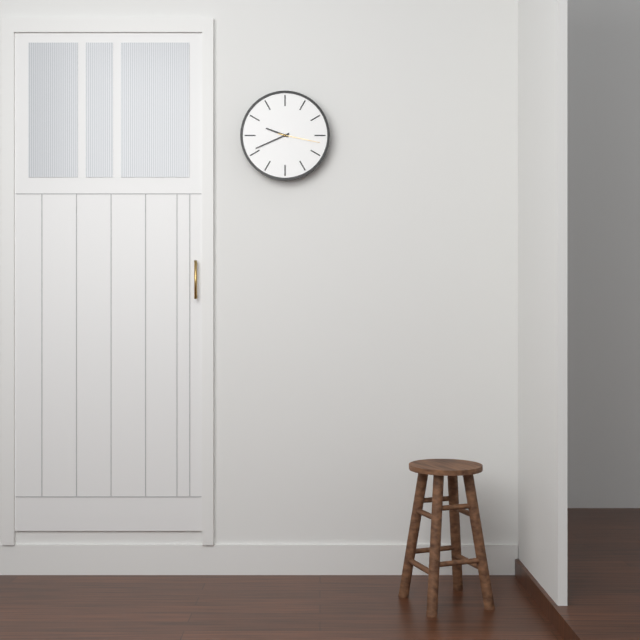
9:41
